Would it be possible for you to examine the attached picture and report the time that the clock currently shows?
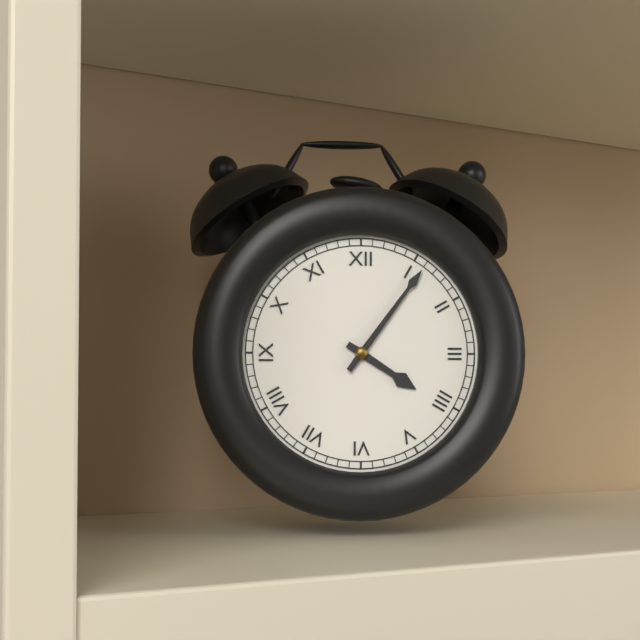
4:06
